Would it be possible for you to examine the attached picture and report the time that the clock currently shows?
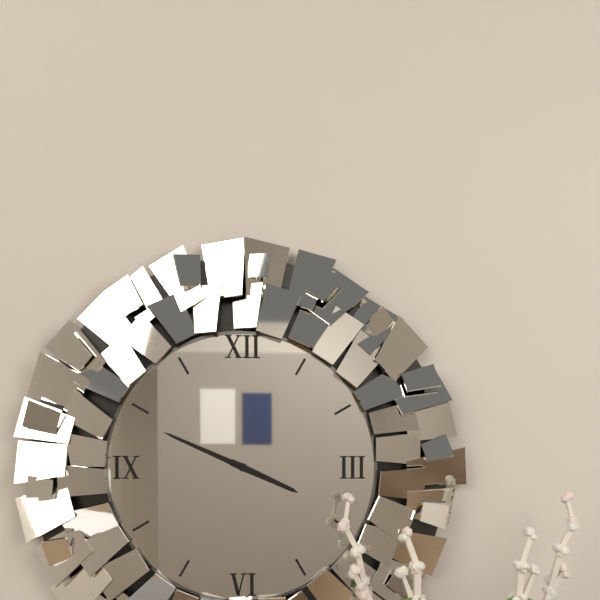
3:49
